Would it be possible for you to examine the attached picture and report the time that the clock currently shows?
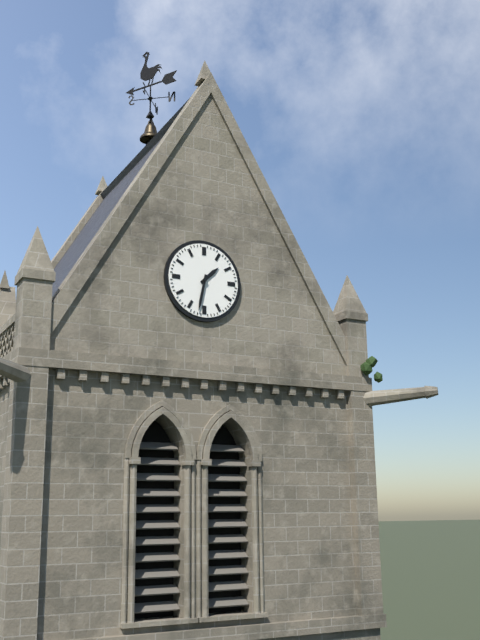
1:32
